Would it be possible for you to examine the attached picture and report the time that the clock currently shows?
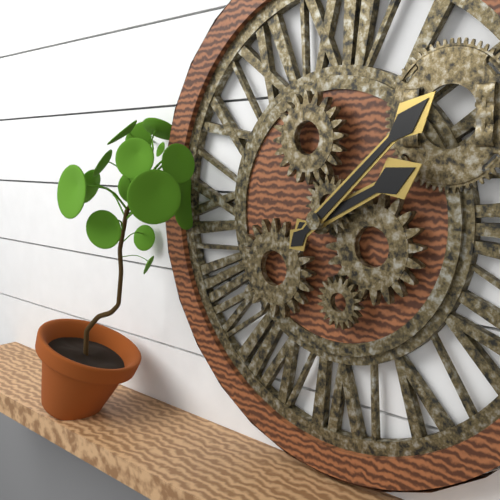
2:08
